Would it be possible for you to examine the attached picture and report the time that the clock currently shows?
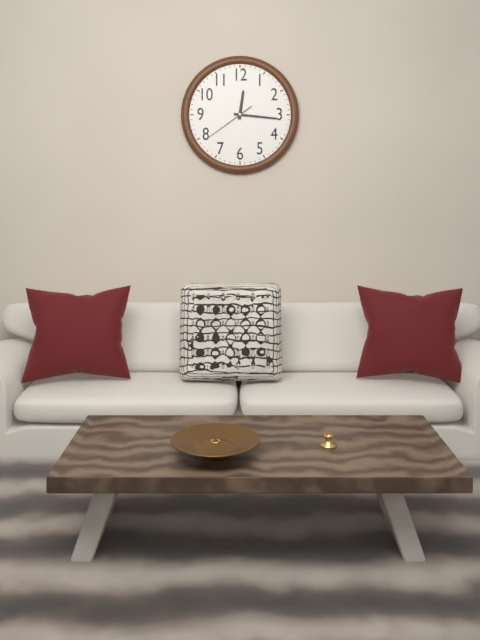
12:16
